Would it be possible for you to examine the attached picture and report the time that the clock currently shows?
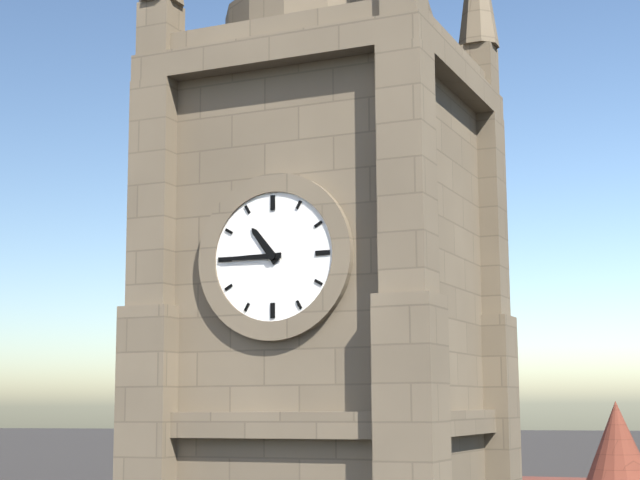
10:45
